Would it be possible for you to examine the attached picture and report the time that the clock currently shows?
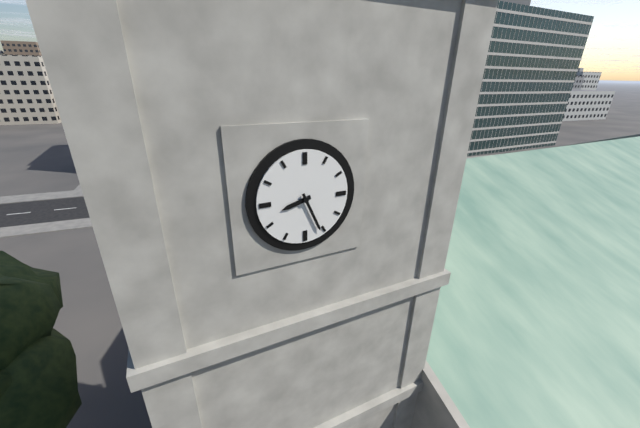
8:26
